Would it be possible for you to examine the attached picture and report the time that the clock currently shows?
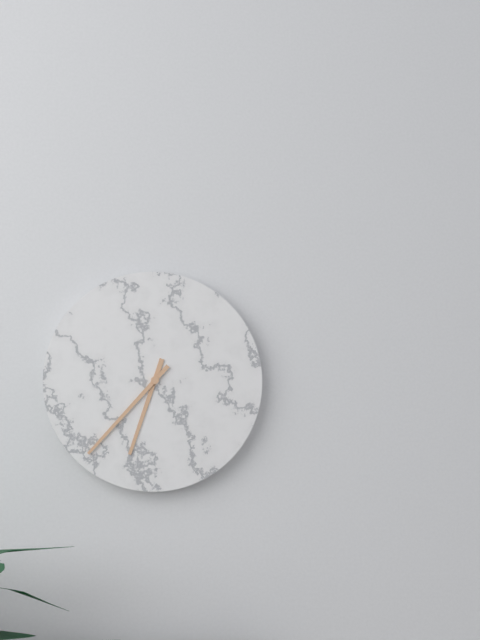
6:37
